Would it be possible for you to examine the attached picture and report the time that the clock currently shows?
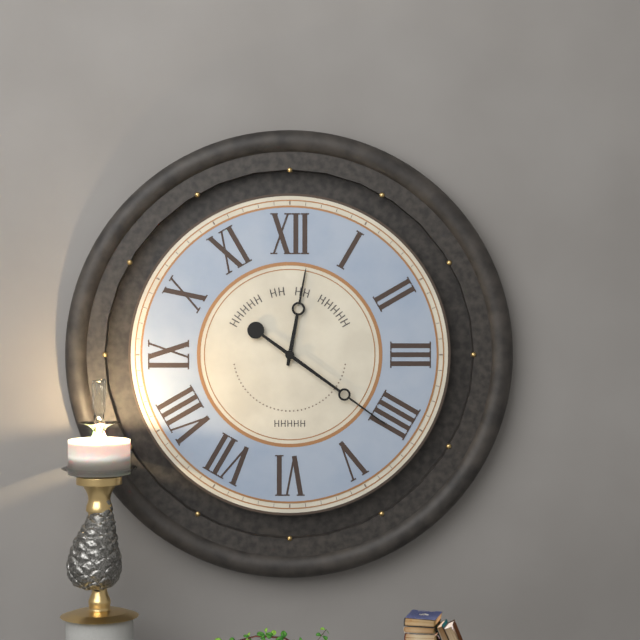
12:21
